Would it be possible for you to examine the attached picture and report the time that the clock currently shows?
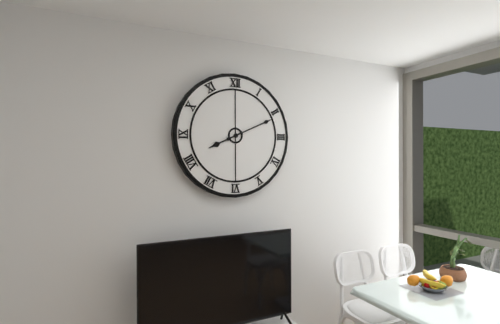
8:11
